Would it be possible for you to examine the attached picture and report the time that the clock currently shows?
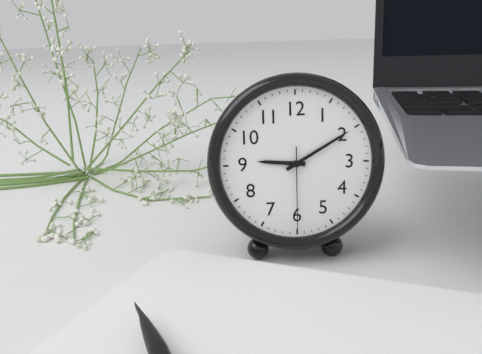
9:10:30
